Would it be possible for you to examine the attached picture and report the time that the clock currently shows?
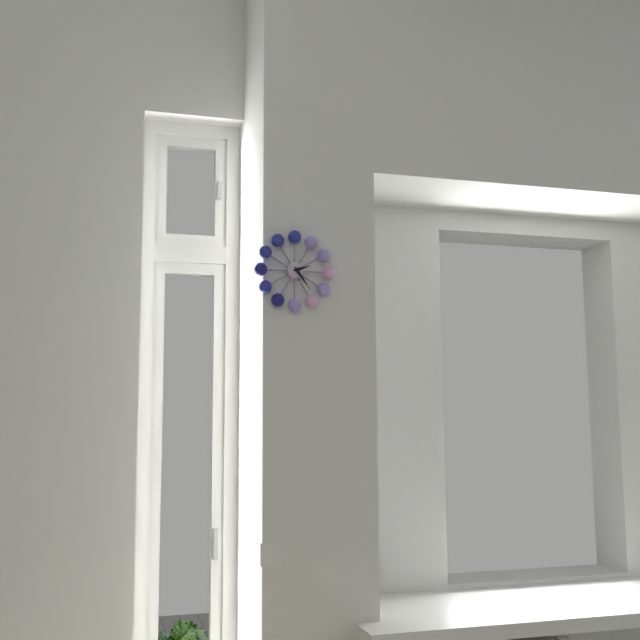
2:24
